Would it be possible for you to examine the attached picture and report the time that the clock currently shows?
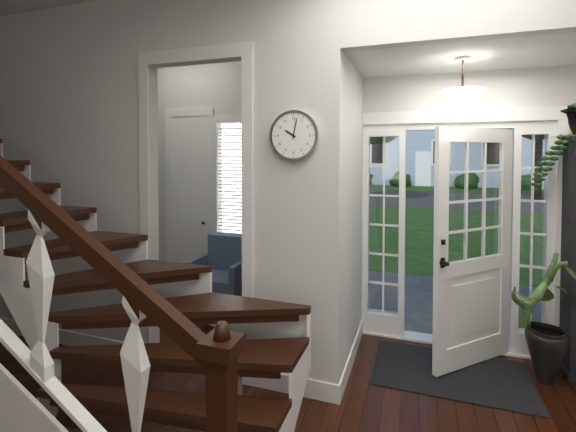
10:02
